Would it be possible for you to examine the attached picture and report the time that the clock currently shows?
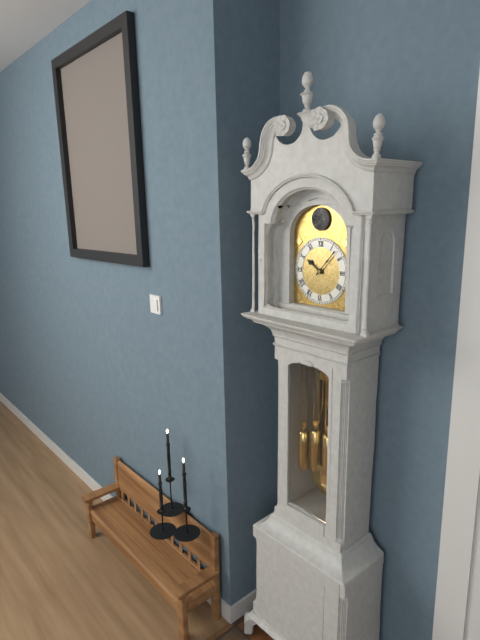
10:07
